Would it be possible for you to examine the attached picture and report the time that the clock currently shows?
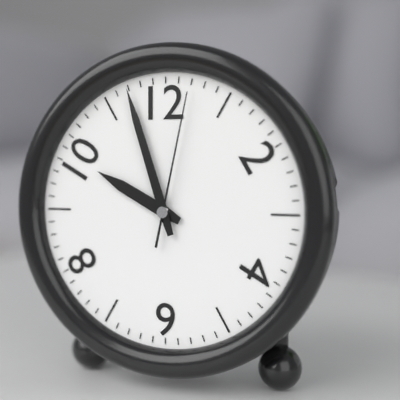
9:57:02
